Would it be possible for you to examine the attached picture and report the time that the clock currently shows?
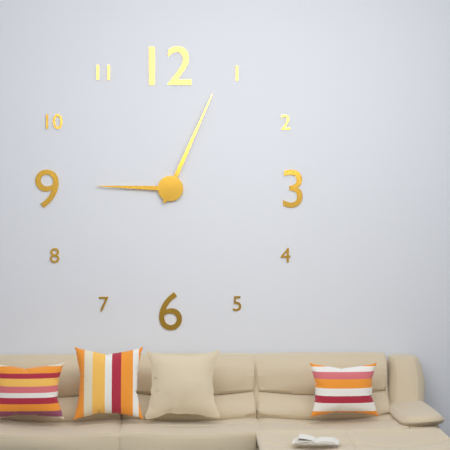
9:04
